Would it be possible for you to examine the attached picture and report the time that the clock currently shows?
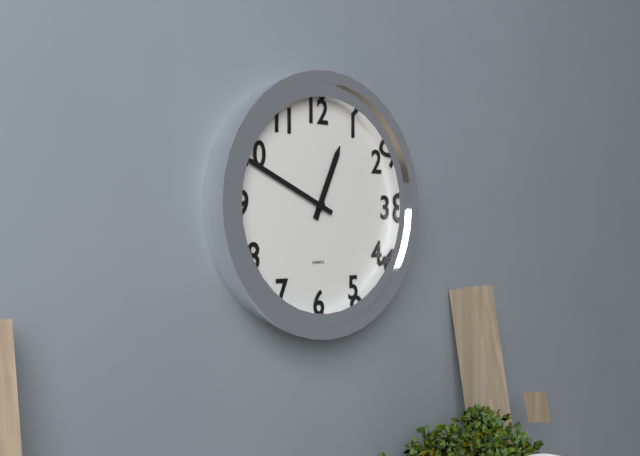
12:49
